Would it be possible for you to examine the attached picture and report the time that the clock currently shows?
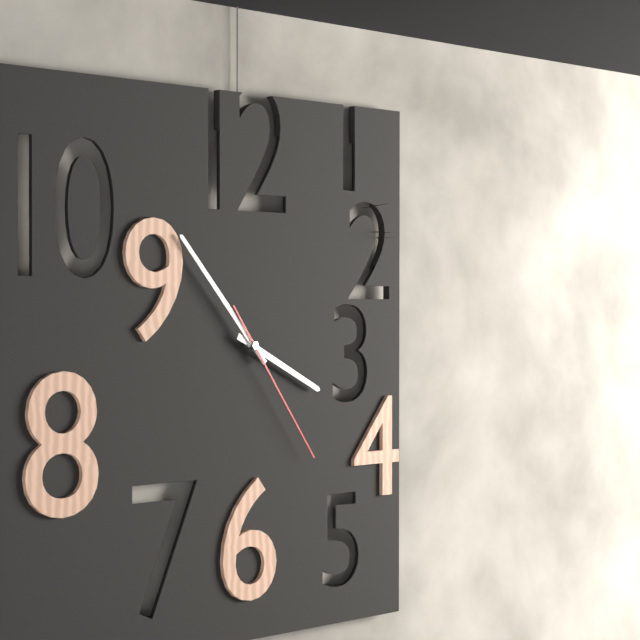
3:53:24
